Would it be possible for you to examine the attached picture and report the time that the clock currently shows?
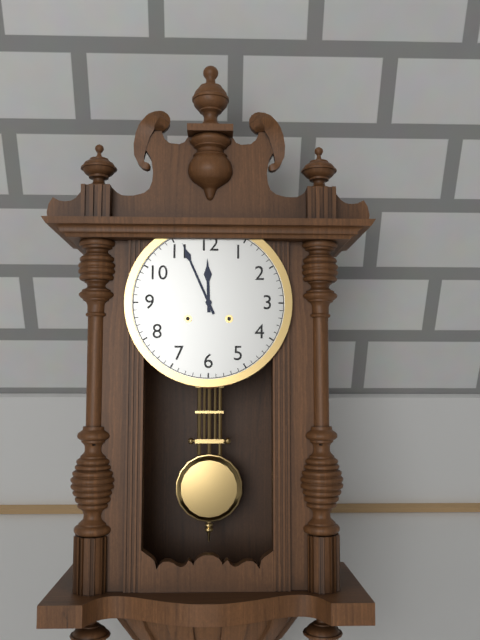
11:56
